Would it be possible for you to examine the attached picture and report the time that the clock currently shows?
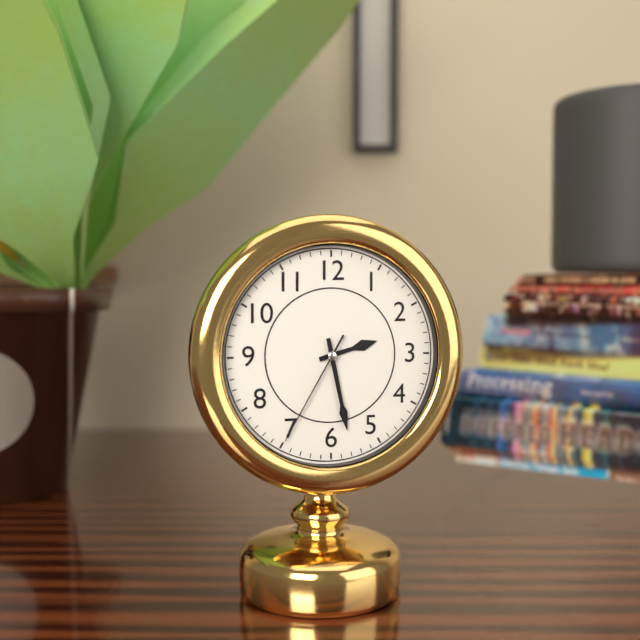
2:28:35
